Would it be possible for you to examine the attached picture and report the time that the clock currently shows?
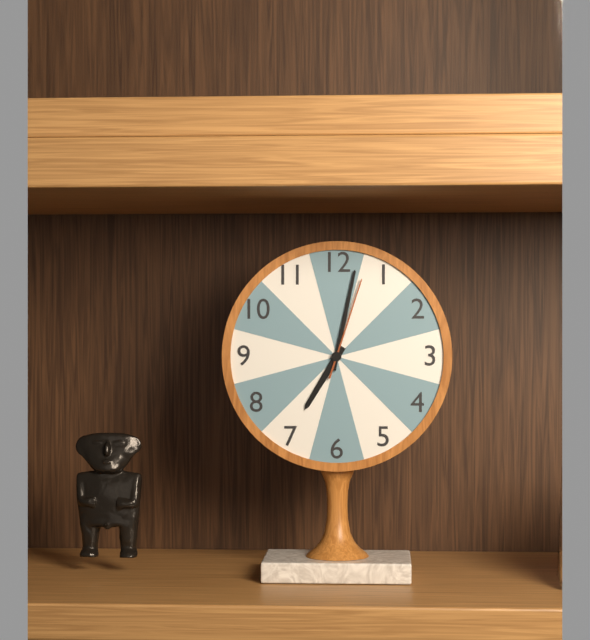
7:02:03
